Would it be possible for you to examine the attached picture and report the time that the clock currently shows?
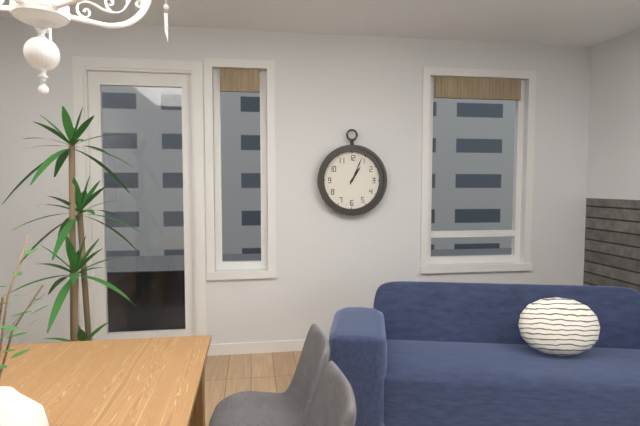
1:04
